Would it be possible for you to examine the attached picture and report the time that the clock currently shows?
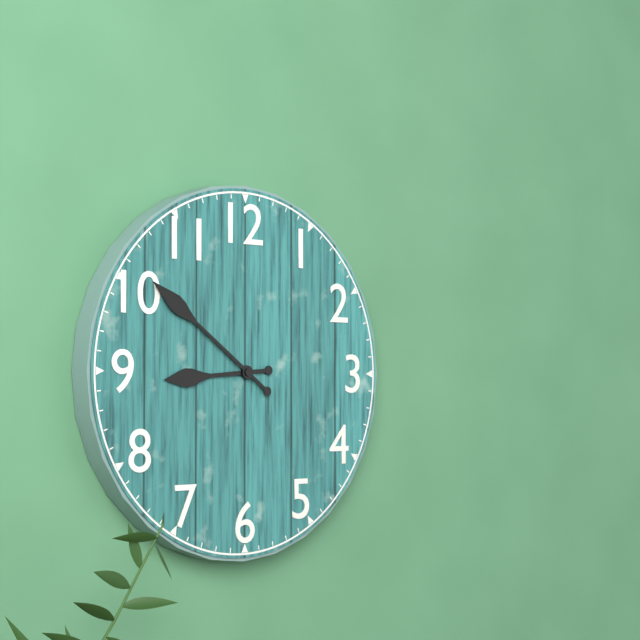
8:51
